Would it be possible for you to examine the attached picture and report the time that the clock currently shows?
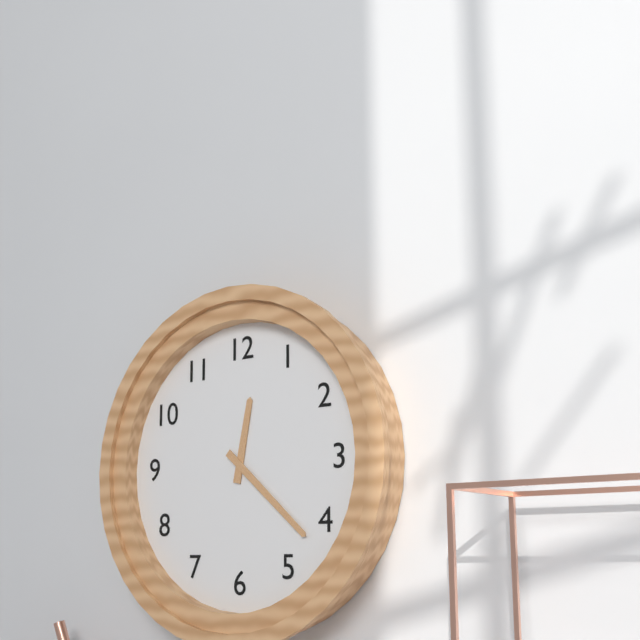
12:22
